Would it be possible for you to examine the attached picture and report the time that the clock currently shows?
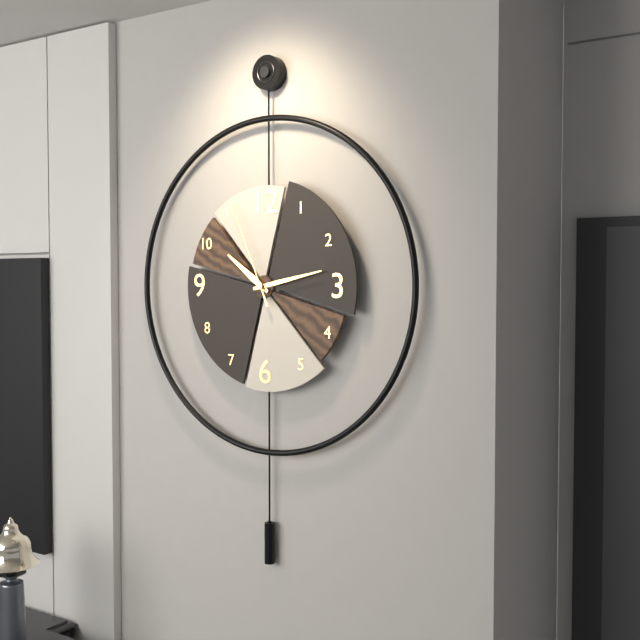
10:13:56
